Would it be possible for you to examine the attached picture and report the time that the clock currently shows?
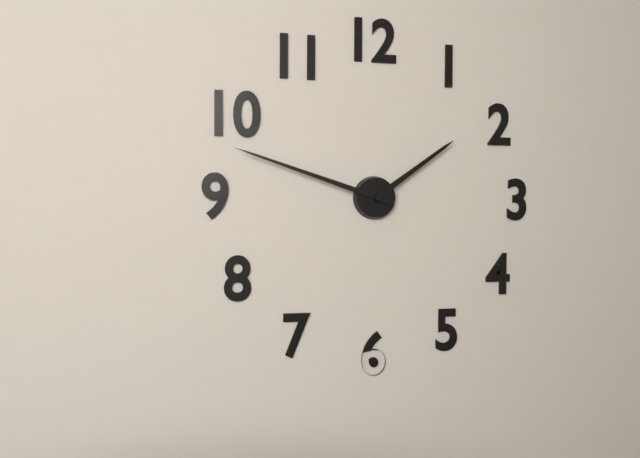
1:48
